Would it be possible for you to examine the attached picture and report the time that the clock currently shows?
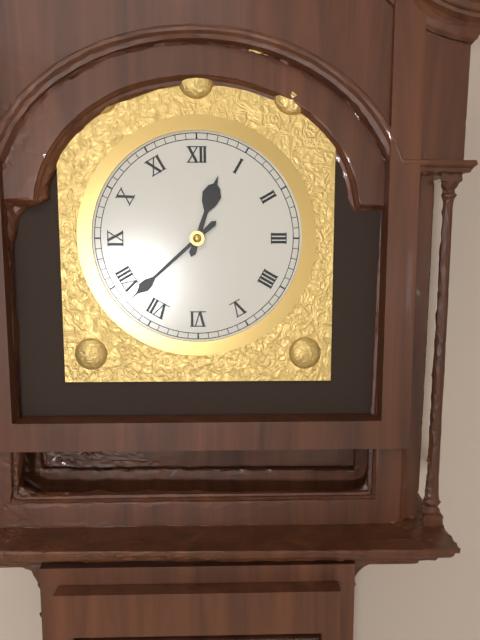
12:38
